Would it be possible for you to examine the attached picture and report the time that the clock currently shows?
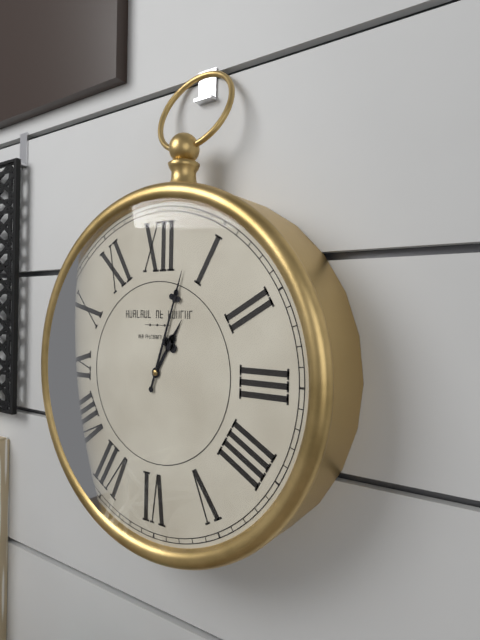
1:03
